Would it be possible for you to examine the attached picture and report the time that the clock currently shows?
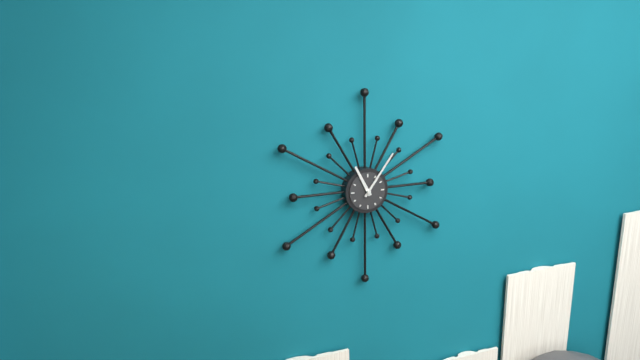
11:06
